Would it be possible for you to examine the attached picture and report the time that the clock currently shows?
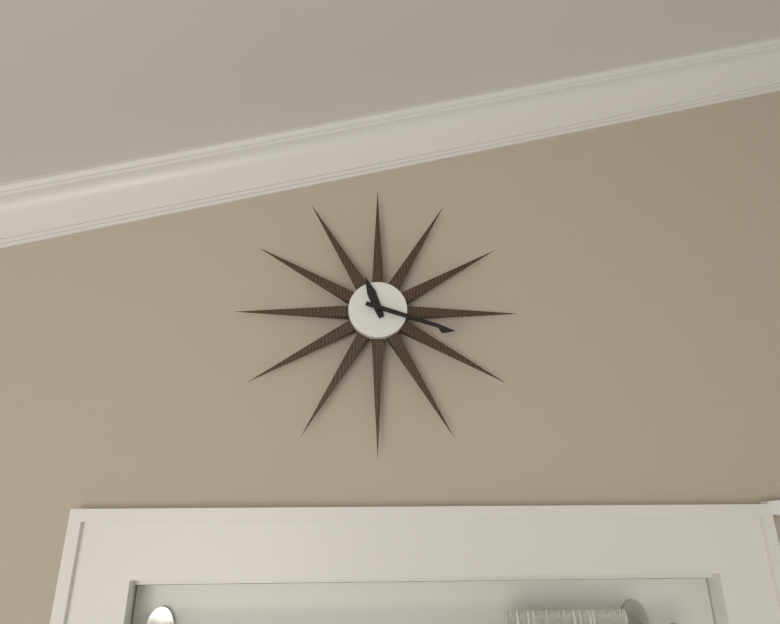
11:18
